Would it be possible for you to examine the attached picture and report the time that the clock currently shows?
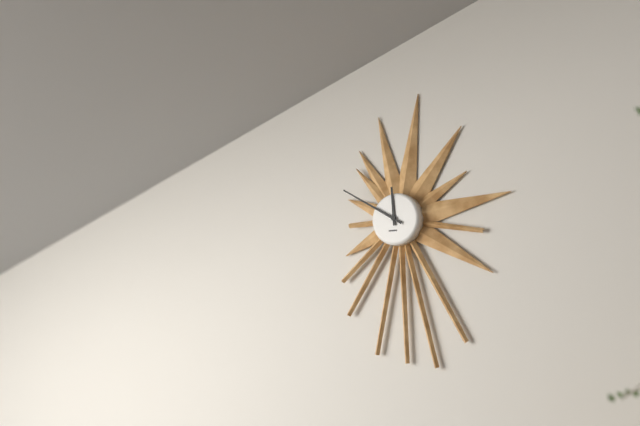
11:50
